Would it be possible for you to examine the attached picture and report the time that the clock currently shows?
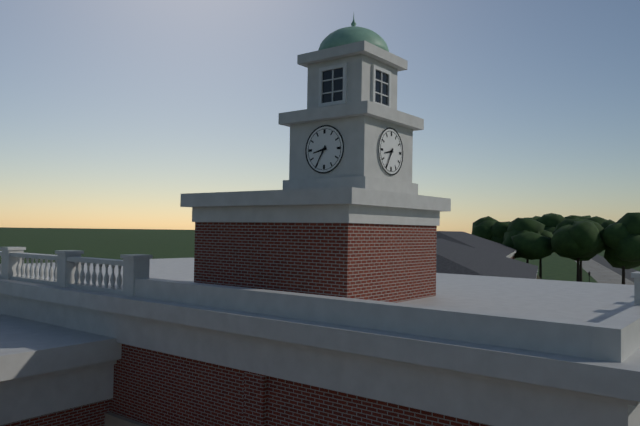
8:35
